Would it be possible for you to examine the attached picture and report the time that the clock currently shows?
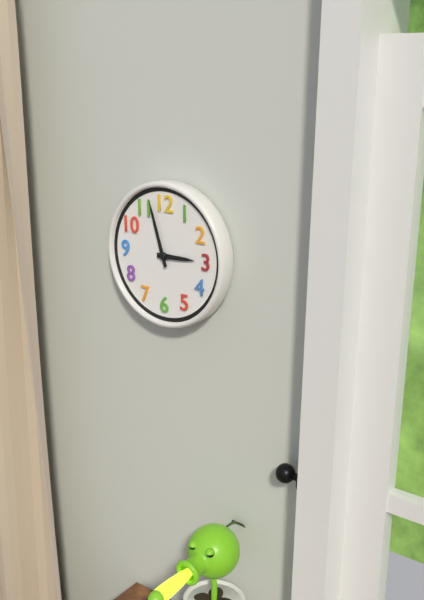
2:57
